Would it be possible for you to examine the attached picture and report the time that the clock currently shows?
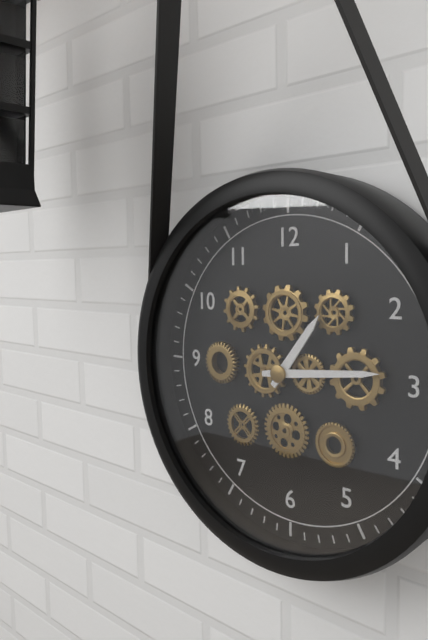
1:14
